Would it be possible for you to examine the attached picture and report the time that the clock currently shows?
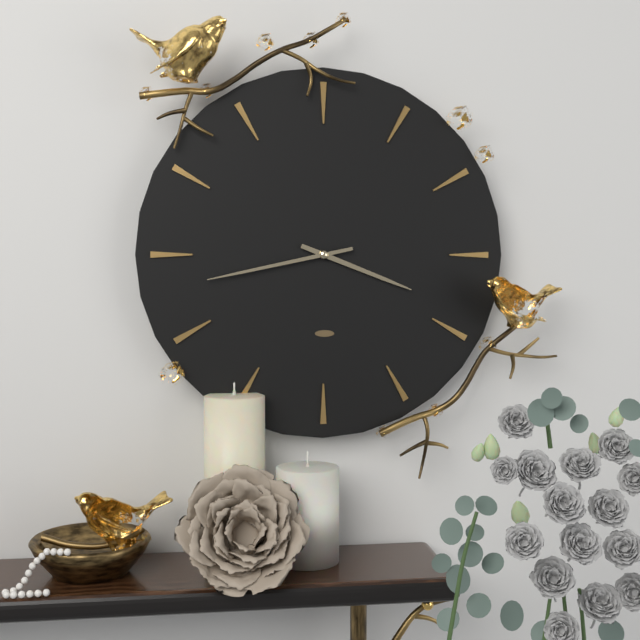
3:43
